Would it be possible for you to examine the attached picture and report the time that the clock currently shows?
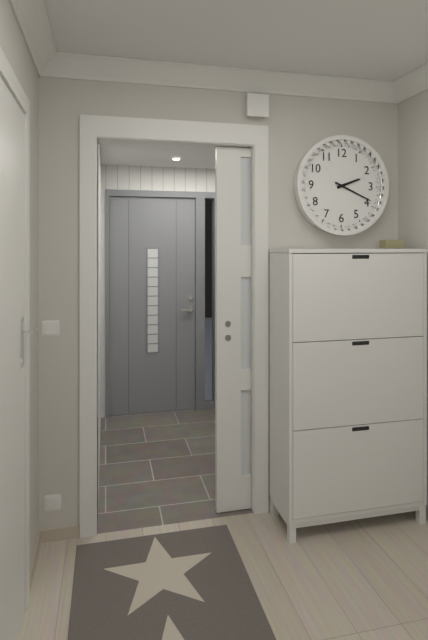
2:19
